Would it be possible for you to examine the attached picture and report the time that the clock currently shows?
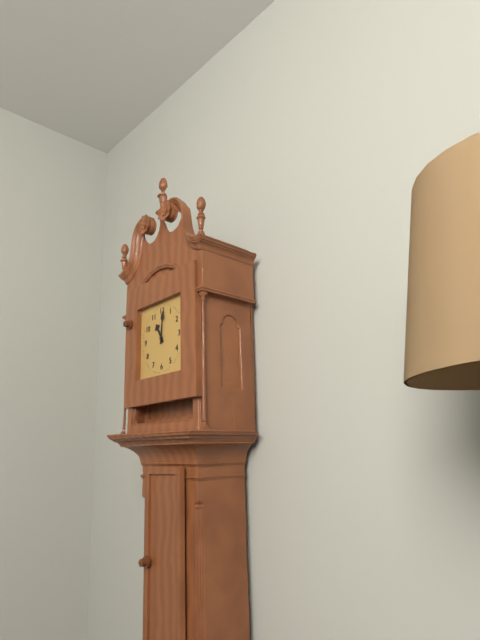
11:01
